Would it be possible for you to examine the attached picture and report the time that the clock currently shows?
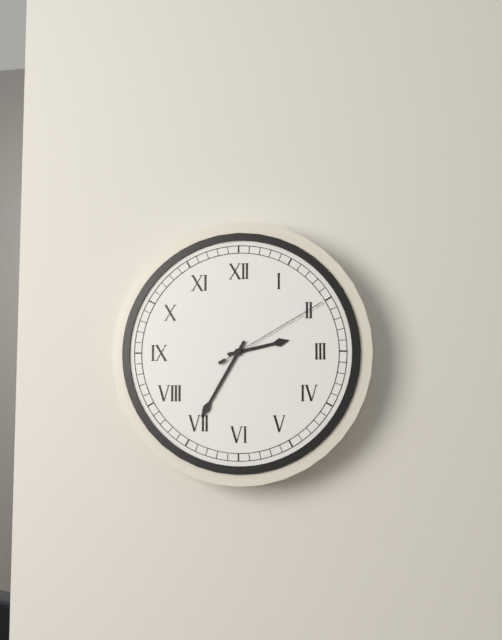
2:35:10
